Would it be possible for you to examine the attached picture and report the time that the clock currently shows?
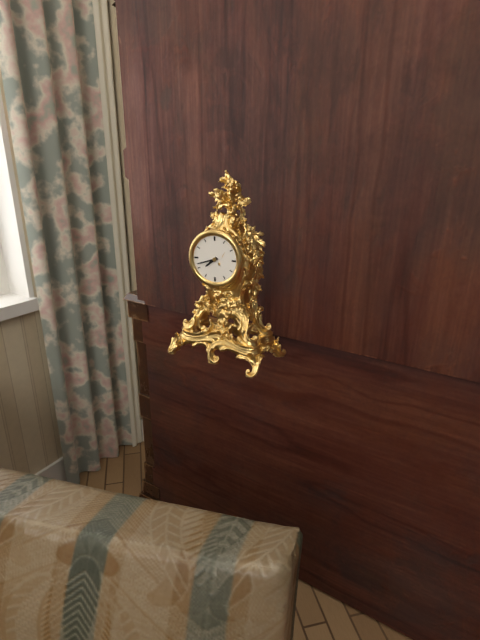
7:42
